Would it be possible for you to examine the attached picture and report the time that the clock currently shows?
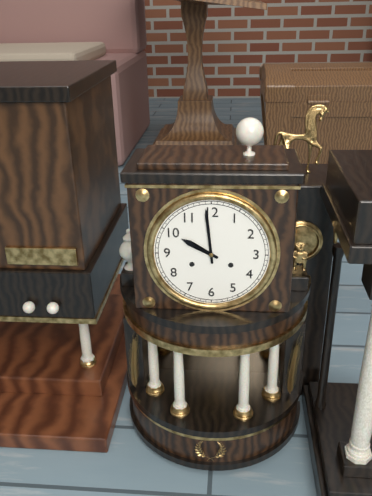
9:59
